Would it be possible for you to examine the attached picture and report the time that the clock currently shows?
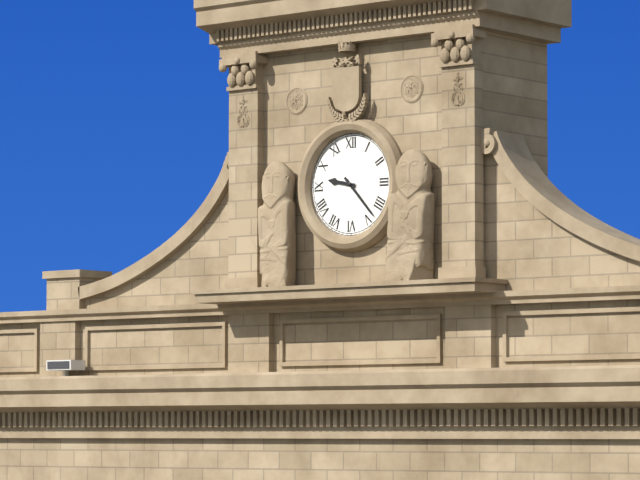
9:23
